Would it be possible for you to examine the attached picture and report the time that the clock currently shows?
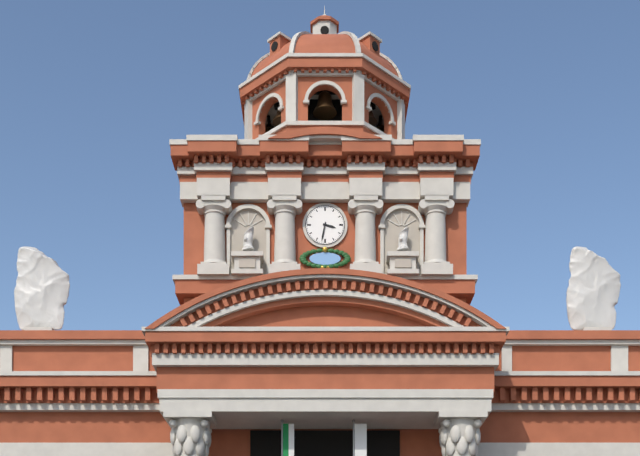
3:32
